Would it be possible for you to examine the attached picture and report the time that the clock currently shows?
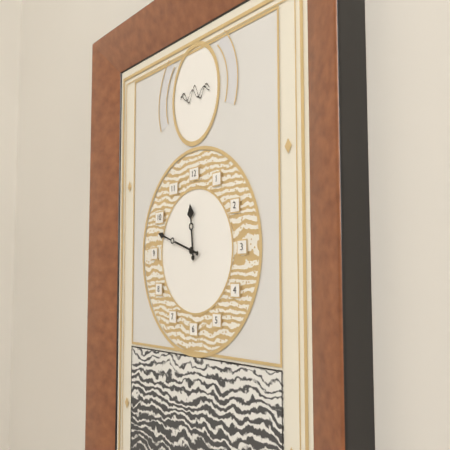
11:48
